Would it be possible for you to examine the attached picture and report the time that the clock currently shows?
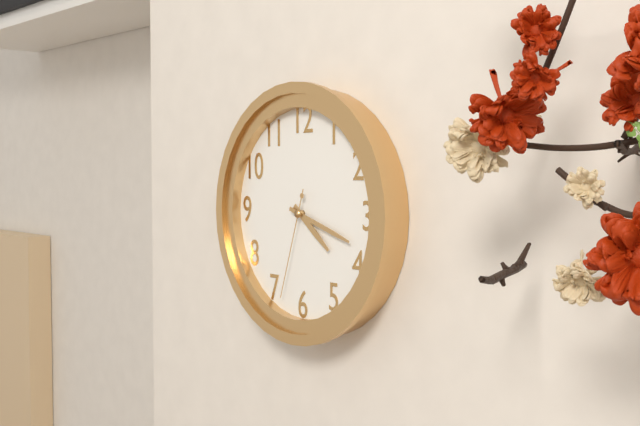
4:18:33
